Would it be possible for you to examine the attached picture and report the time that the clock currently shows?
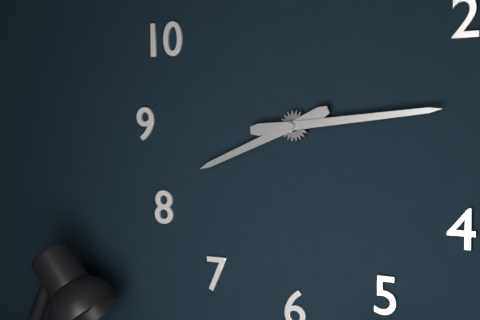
8:14
